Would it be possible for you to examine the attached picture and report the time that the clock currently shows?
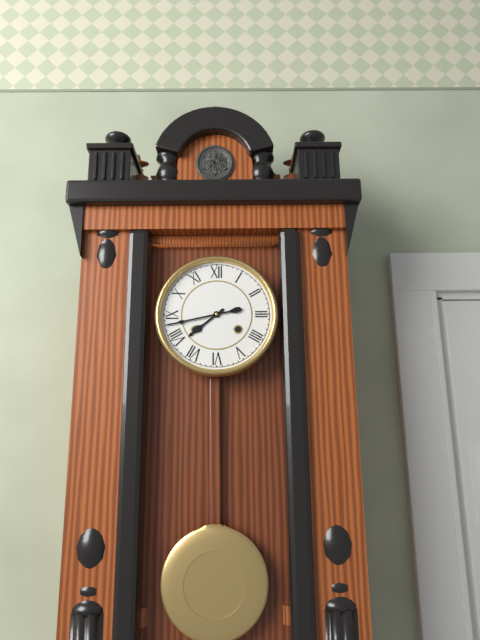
7:43
